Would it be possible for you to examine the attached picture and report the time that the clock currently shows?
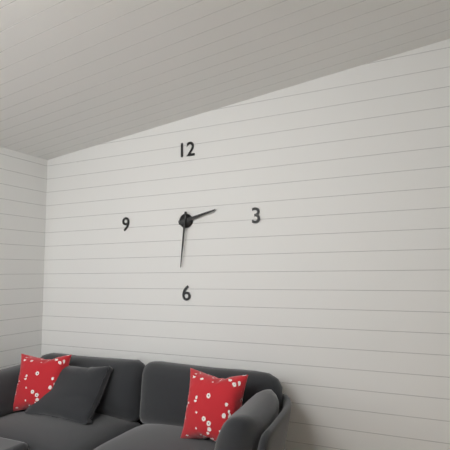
2:31
